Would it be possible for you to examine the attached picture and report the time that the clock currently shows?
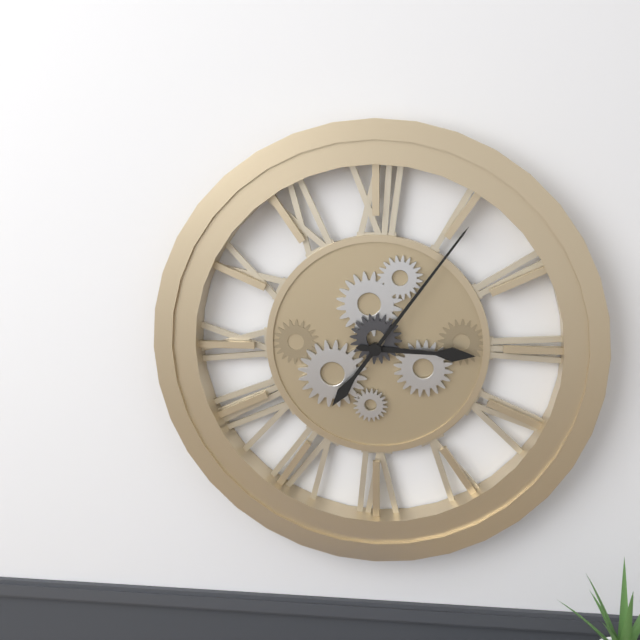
3:06
